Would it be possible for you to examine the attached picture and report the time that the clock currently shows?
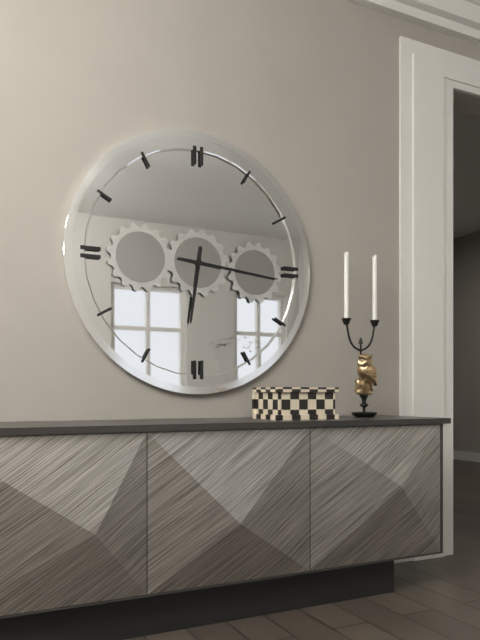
6:16
